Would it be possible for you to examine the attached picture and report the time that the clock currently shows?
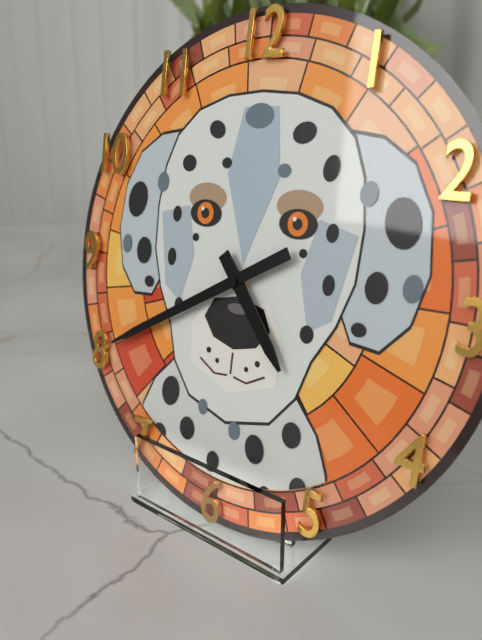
4:40
